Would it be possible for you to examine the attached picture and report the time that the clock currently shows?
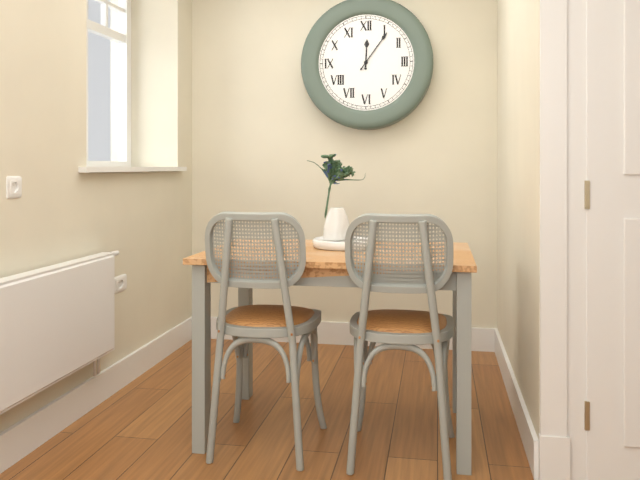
12:06
